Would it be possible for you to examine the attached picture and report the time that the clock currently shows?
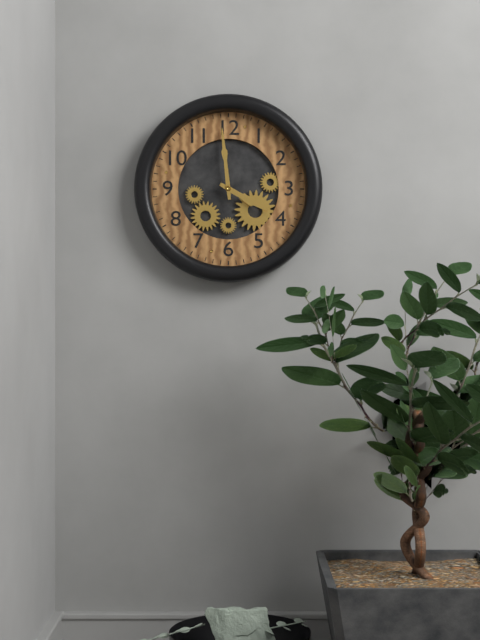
3:59
